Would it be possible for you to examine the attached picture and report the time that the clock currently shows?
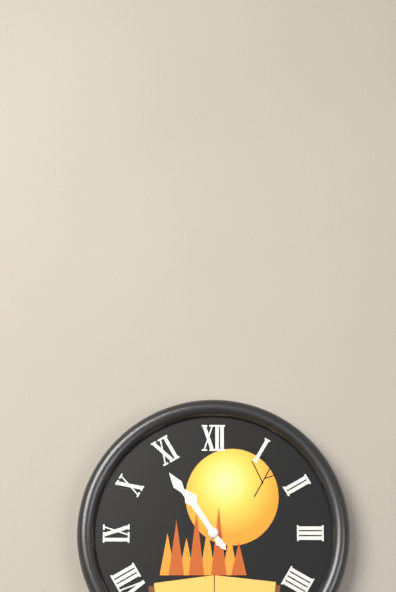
10:54
